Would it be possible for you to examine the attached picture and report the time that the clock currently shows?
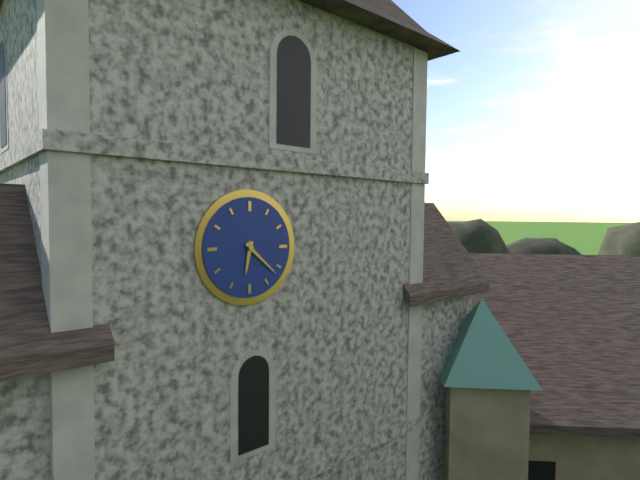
6:22
